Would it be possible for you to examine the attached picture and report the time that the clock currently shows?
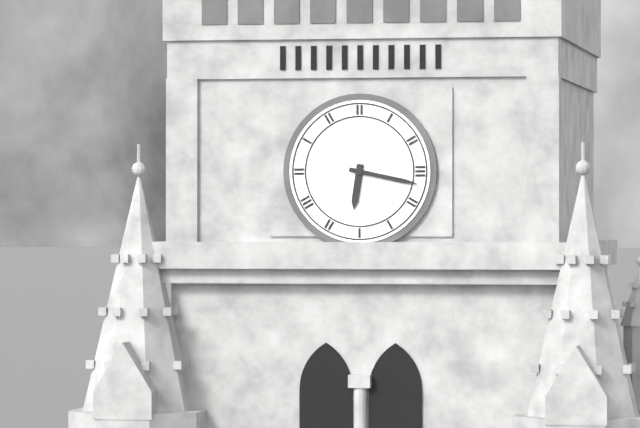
6:17
